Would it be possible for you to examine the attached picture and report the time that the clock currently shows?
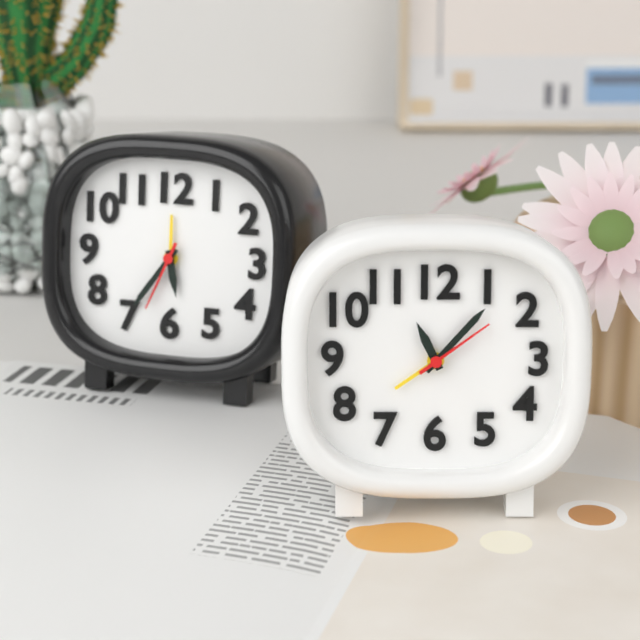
11:07:09
